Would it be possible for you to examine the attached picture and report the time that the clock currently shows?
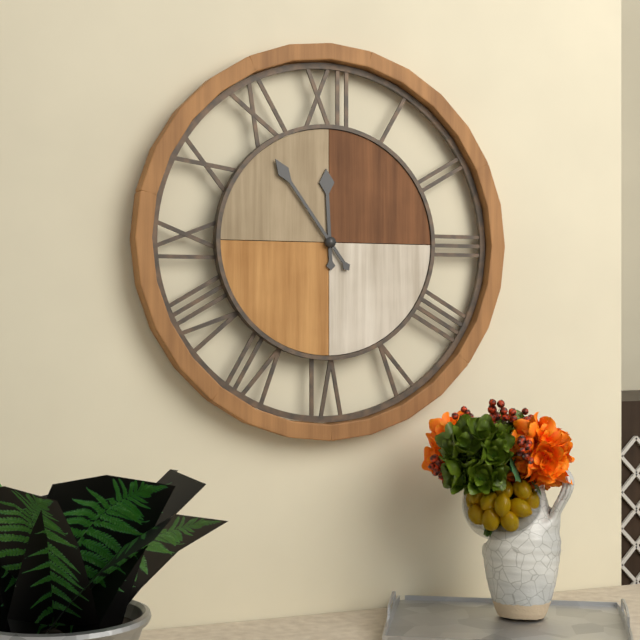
11:54
